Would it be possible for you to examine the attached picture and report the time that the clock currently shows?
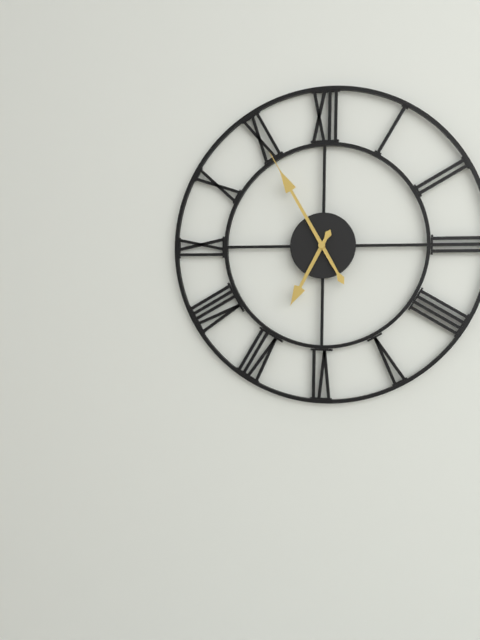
6:55
